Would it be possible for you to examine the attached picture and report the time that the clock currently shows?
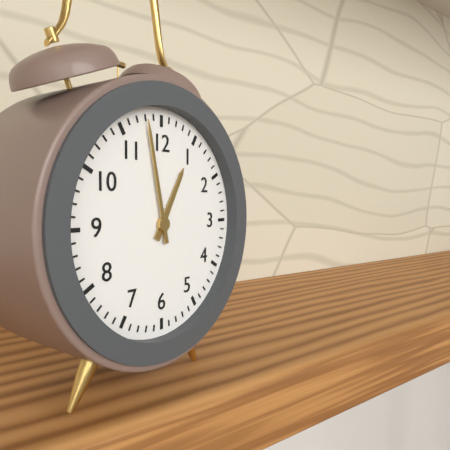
12:58
